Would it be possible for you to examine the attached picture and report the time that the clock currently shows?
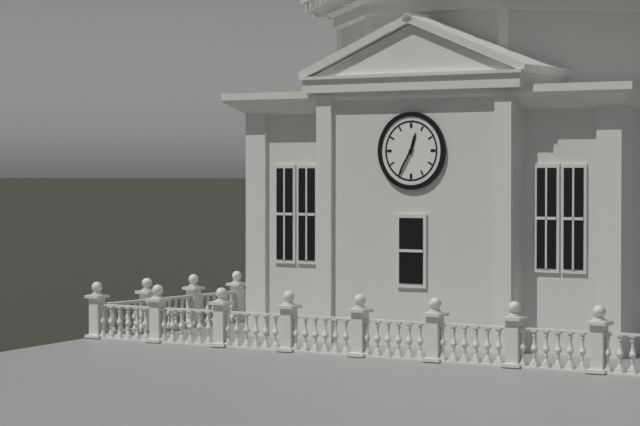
12:35
